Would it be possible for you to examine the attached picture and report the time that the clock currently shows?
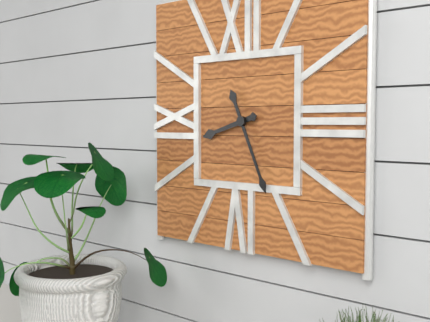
8:26
